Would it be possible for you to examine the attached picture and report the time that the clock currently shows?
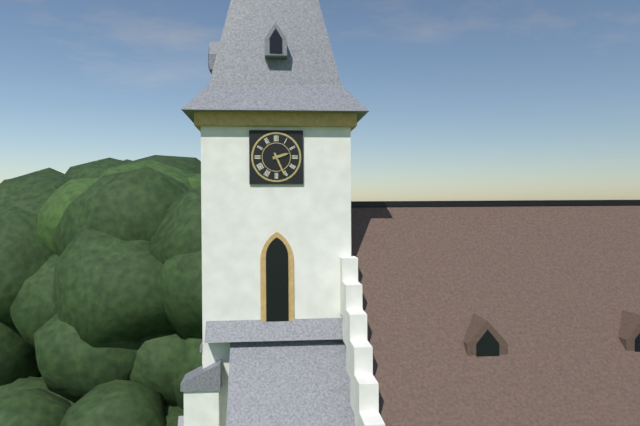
2:26
